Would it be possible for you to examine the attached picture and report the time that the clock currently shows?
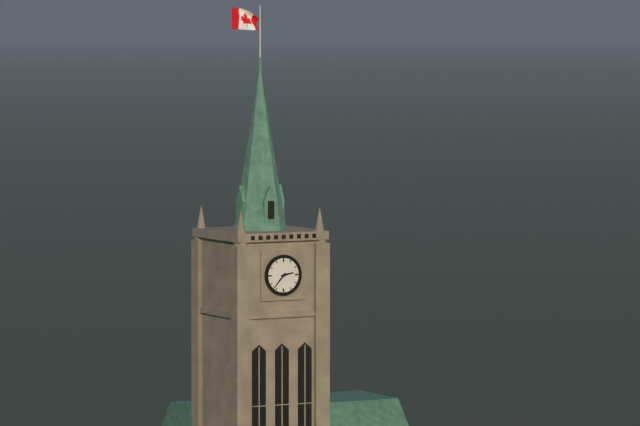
2:37
